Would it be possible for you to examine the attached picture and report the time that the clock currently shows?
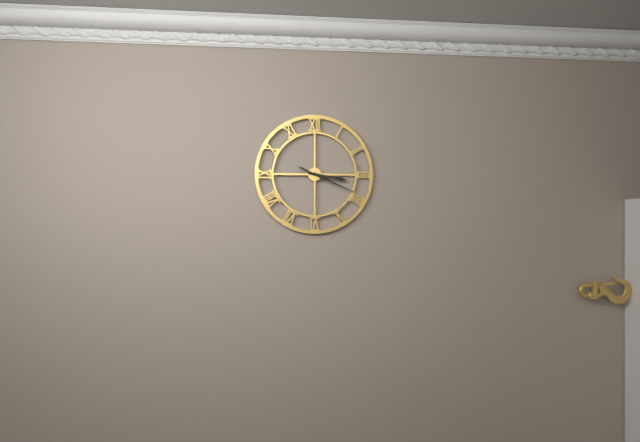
3:19
